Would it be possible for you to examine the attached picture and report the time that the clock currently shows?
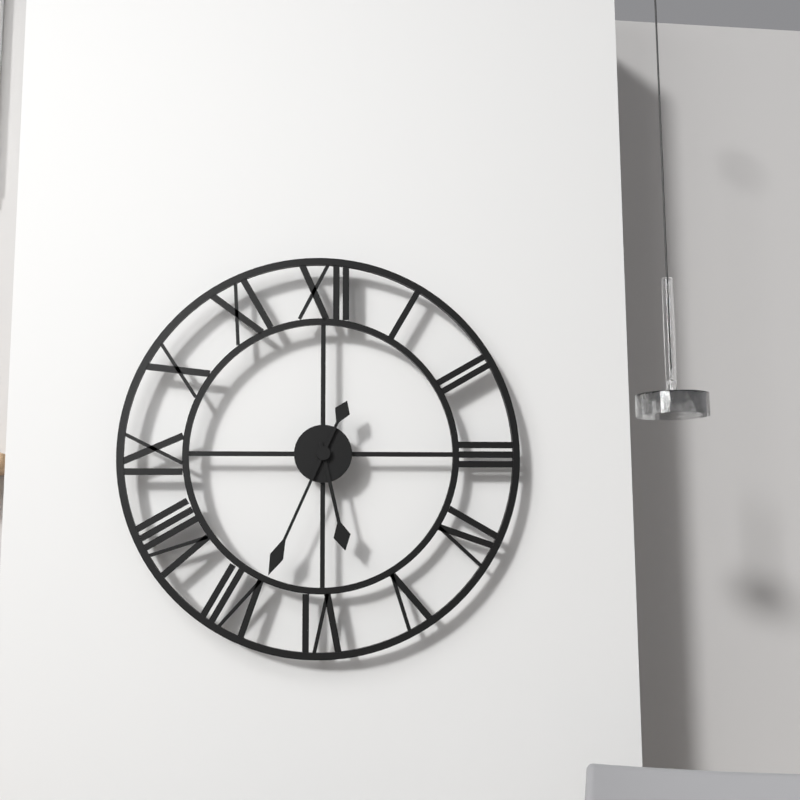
5:34
